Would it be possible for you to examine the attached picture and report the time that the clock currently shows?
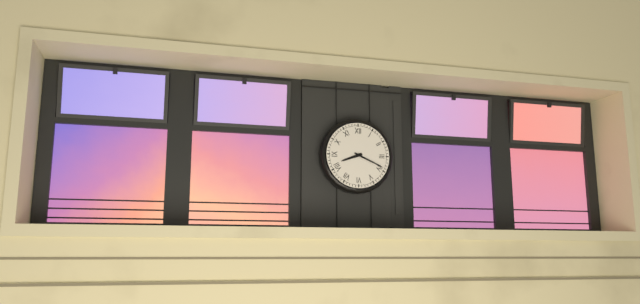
8:19
